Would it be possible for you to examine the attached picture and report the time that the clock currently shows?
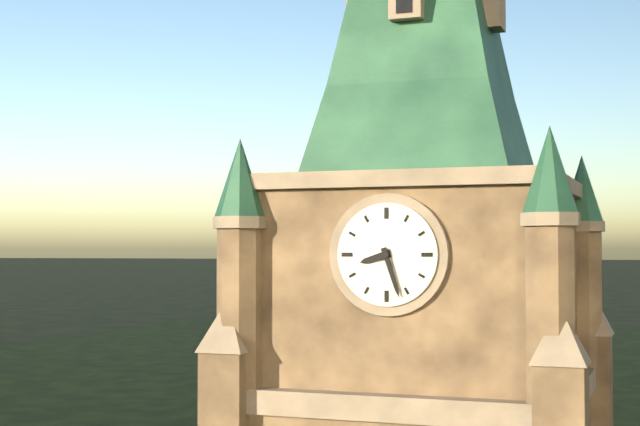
8:27
